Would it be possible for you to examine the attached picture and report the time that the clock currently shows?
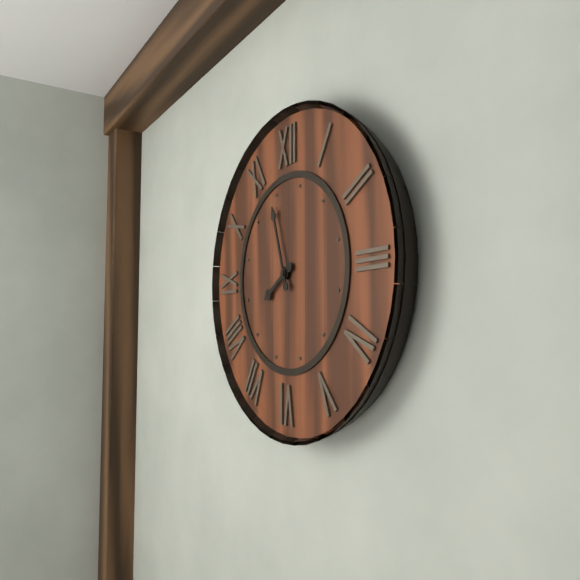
7:57
